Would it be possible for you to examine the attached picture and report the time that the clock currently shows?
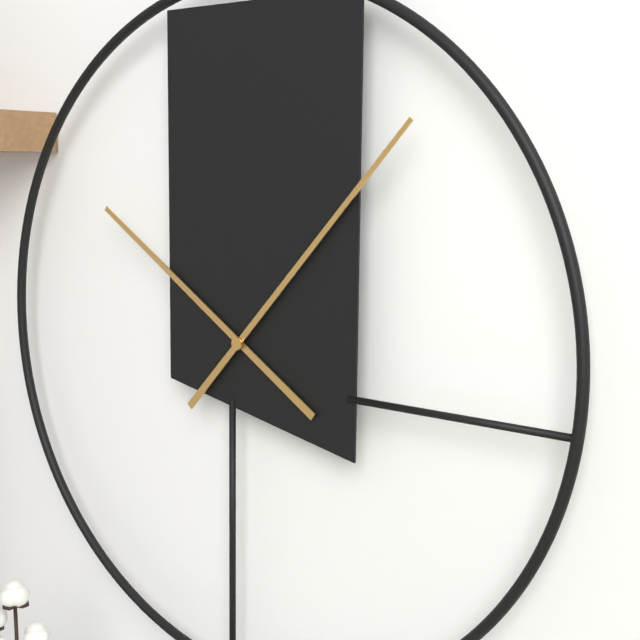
10:07
